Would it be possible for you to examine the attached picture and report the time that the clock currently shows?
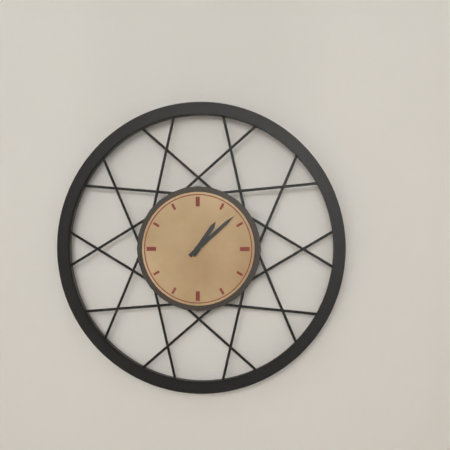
1:08
